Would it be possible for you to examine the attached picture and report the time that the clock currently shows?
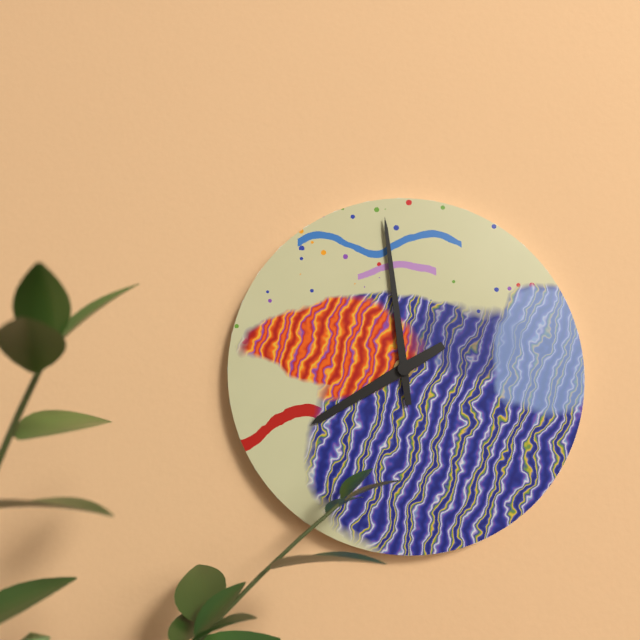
7:59
